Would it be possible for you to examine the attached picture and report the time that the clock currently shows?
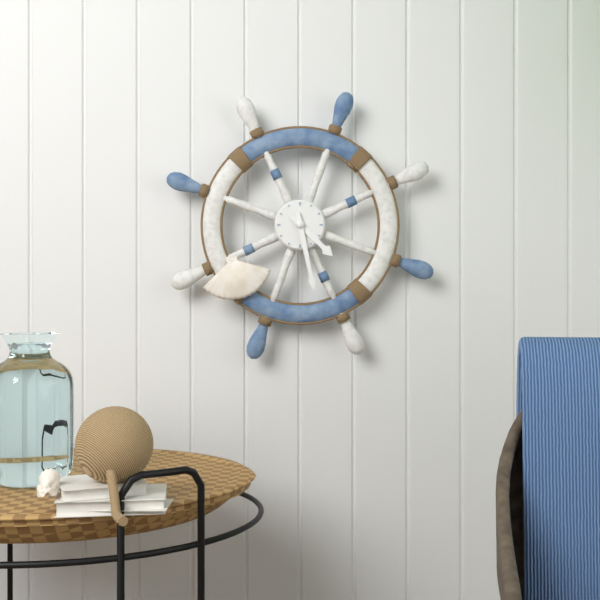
4:28
